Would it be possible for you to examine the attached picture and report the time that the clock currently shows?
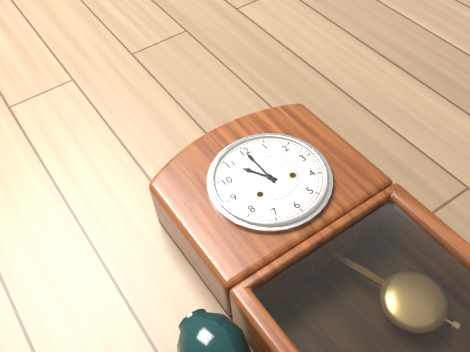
11:00
